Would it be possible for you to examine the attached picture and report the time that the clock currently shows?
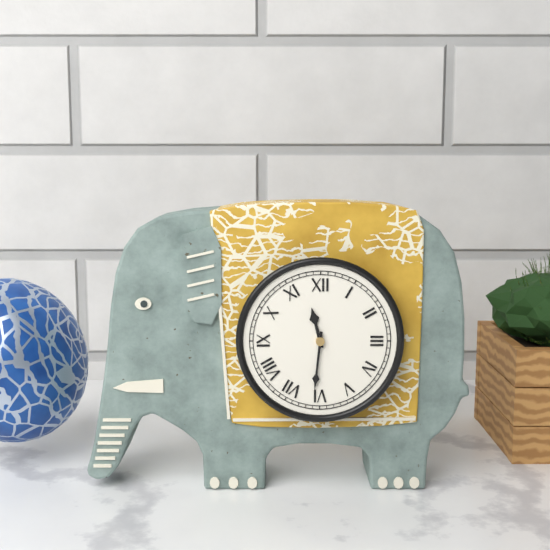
11:31
